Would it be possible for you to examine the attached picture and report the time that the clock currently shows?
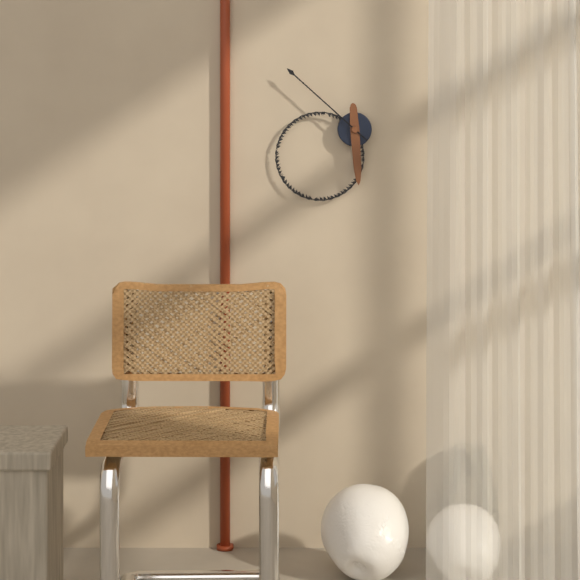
5:52
